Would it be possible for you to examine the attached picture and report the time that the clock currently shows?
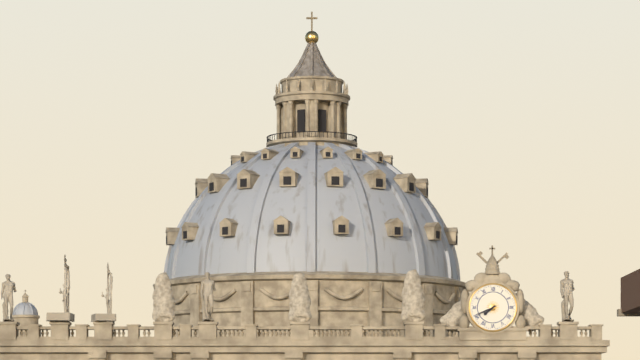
7:41
